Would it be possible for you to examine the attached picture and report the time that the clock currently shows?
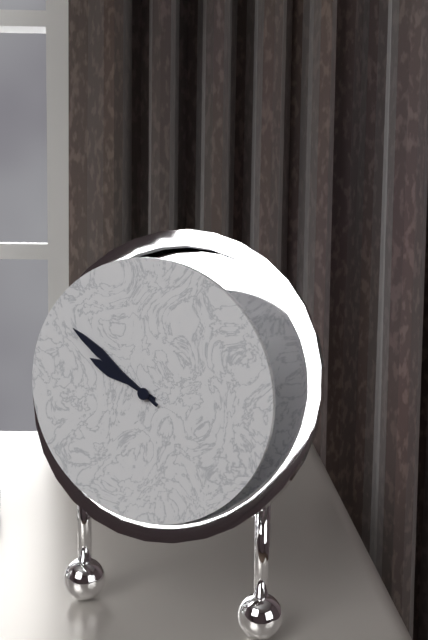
9:51
